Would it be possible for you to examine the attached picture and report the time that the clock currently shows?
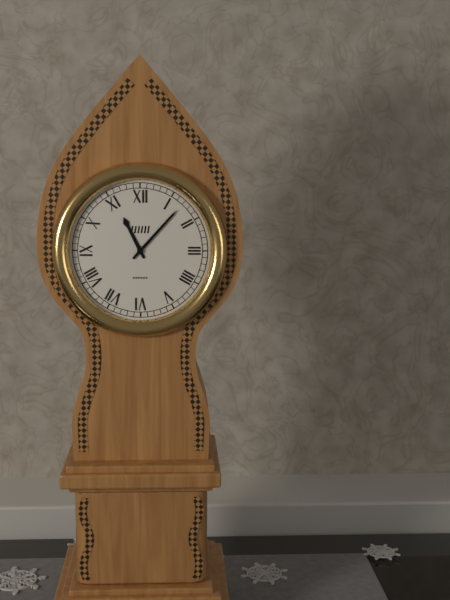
11:07
